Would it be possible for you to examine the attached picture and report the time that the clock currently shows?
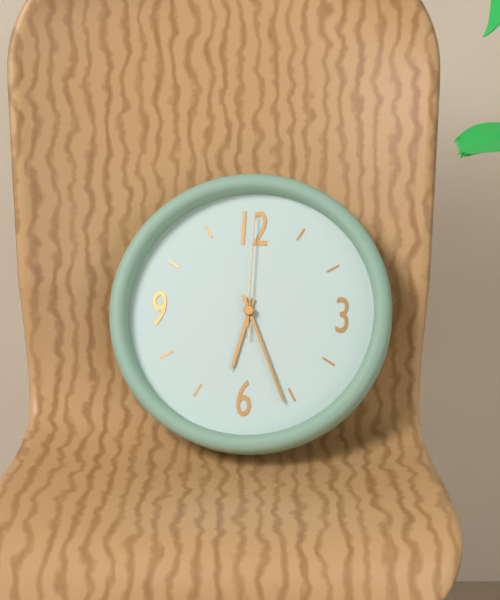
6:26:00
